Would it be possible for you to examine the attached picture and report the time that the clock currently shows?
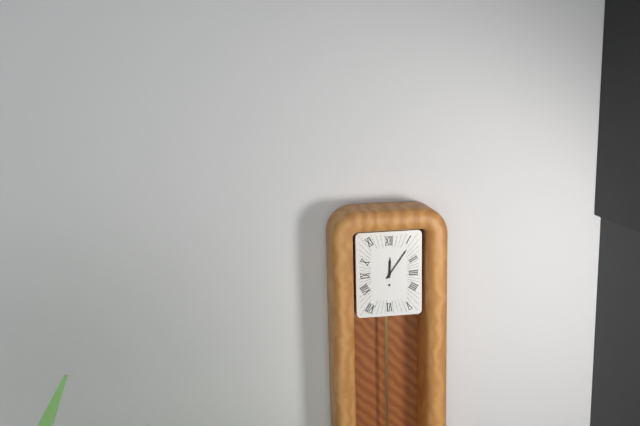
12:06
